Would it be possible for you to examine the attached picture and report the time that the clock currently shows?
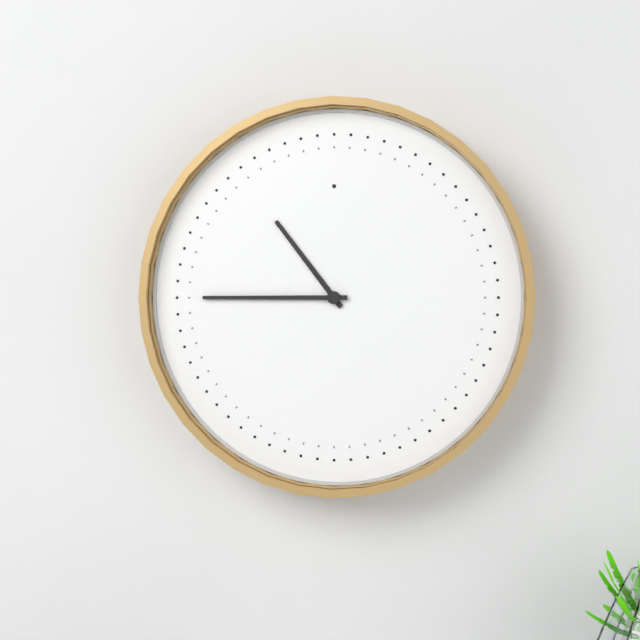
10:45
